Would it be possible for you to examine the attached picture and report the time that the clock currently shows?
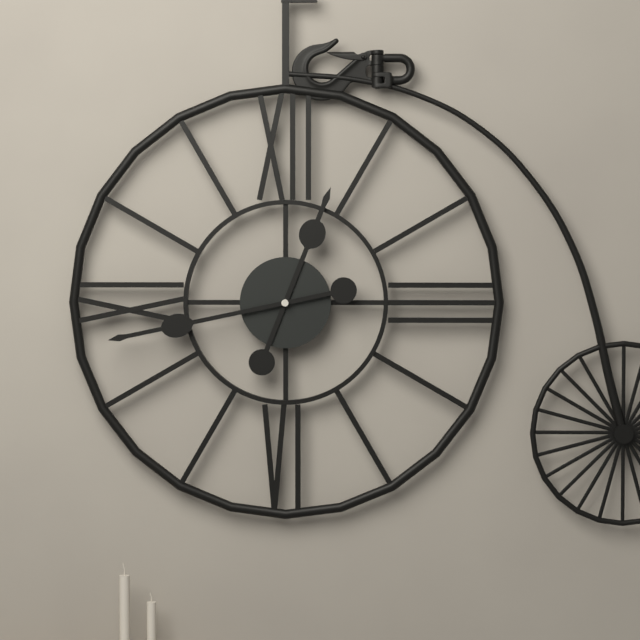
12:43
